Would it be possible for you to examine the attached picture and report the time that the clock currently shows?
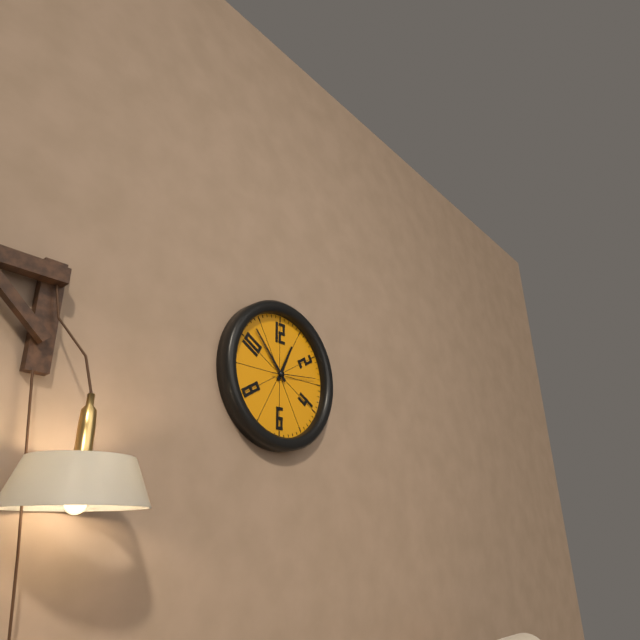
12:53
